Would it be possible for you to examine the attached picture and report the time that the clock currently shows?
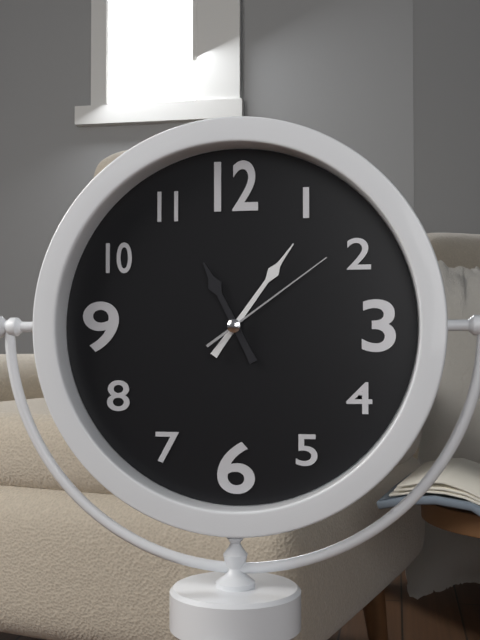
11:06:09
